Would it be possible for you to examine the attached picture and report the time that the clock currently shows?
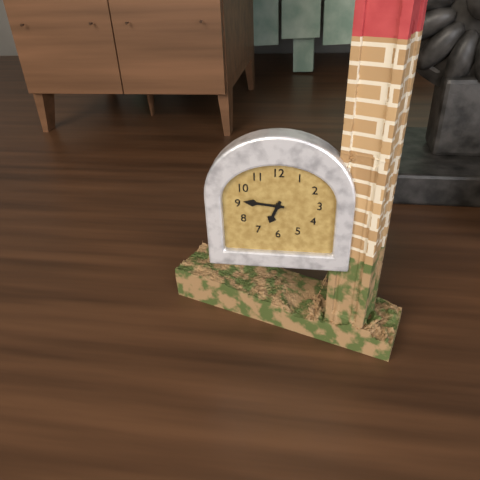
6:46
